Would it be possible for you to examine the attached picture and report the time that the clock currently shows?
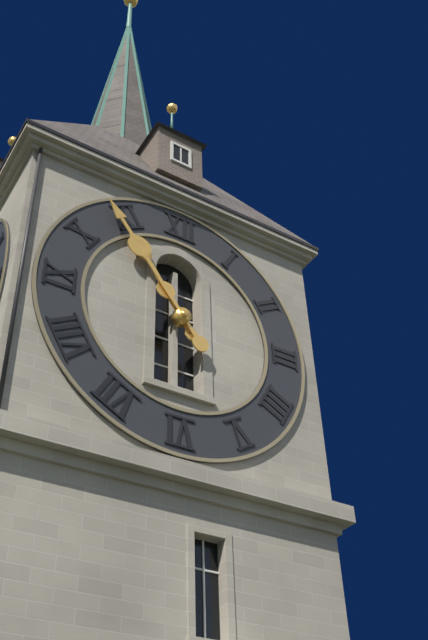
10:54
